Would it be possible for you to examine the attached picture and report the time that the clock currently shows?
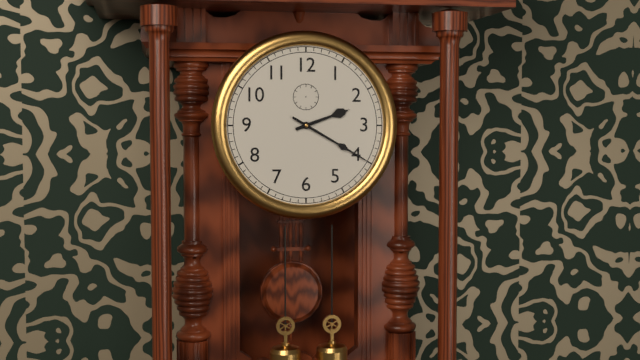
2:20
